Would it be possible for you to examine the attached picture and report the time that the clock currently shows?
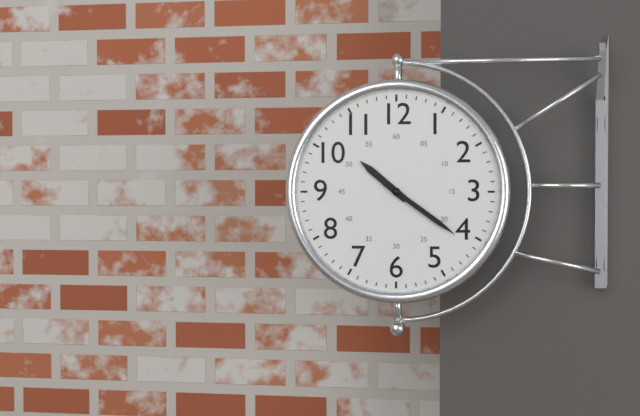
10:21
